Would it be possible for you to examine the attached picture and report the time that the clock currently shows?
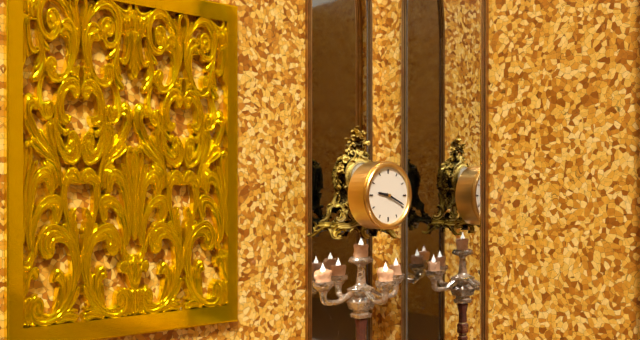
9:19
